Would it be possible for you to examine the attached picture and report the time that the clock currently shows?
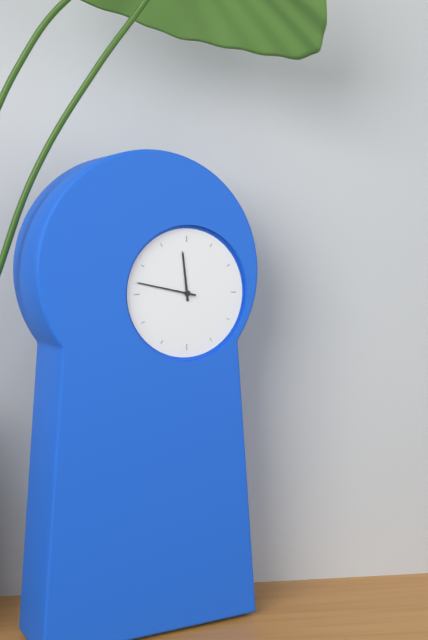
11:47
